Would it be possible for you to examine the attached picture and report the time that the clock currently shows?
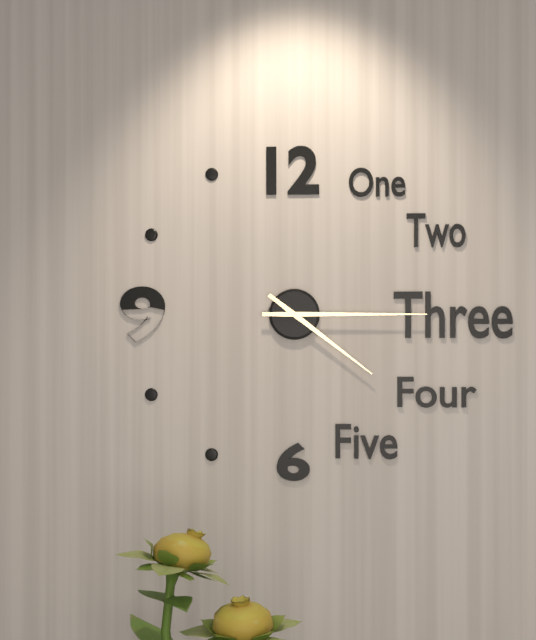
4:15
